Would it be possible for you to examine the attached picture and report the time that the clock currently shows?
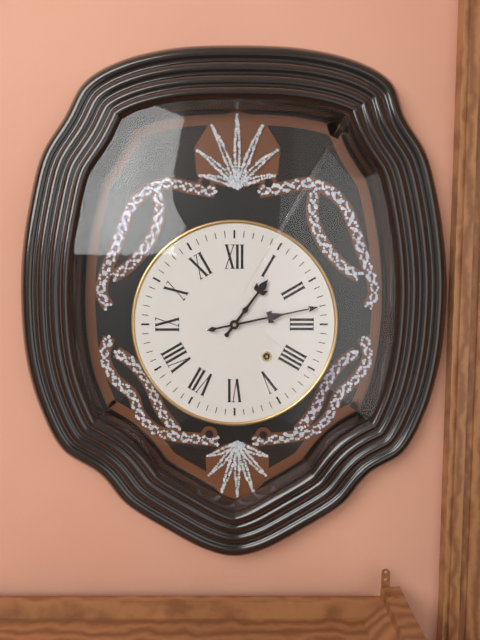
1:13
